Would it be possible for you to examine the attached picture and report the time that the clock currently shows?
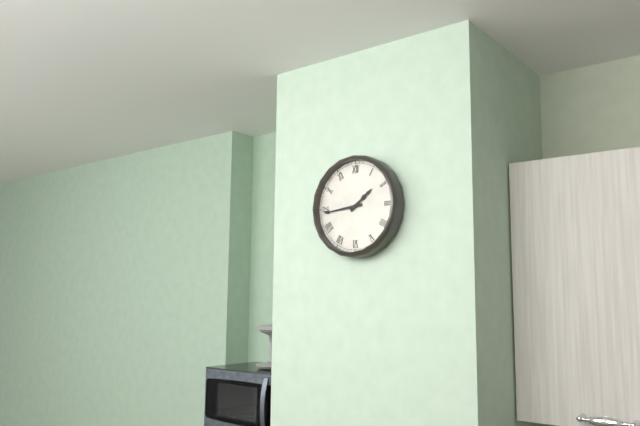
1:44
